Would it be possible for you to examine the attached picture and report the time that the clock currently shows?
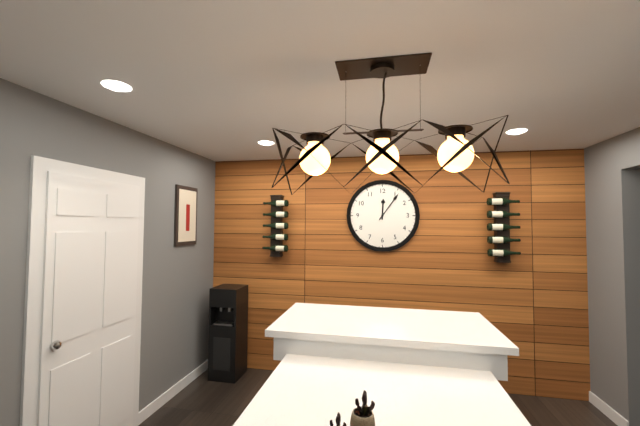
12:06
